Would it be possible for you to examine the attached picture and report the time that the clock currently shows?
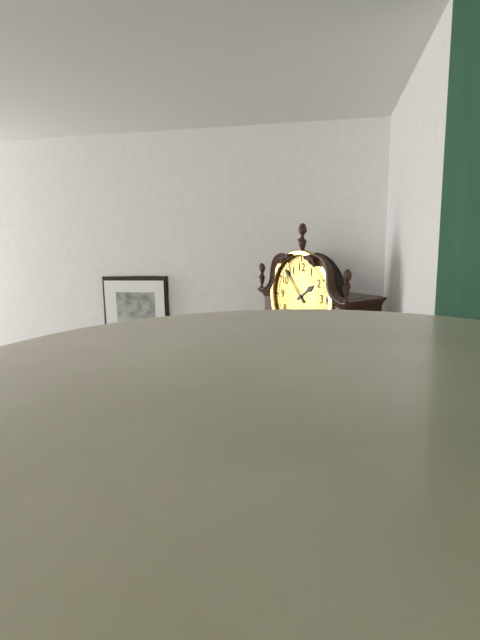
1:53
